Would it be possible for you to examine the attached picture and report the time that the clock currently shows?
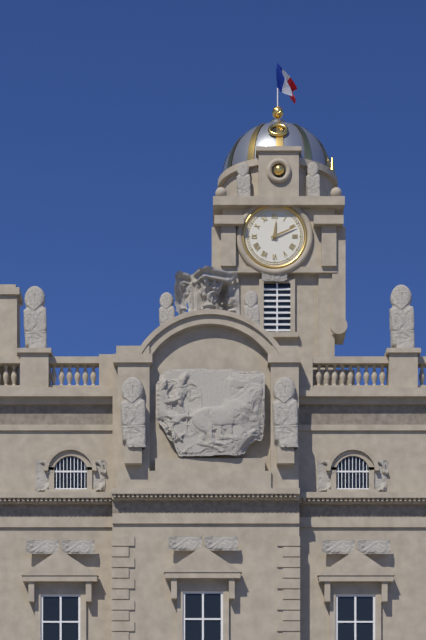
12:11
